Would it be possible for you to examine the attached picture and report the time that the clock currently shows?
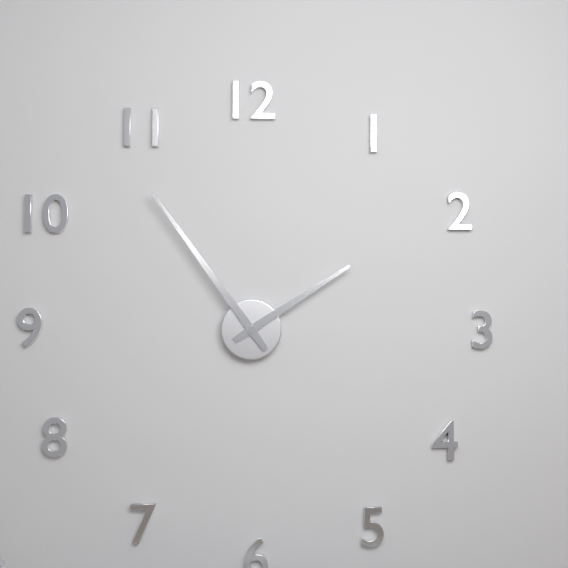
1:54
